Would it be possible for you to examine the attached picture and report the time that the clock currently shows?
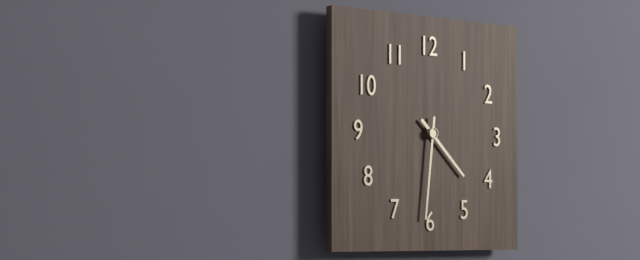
4:31
